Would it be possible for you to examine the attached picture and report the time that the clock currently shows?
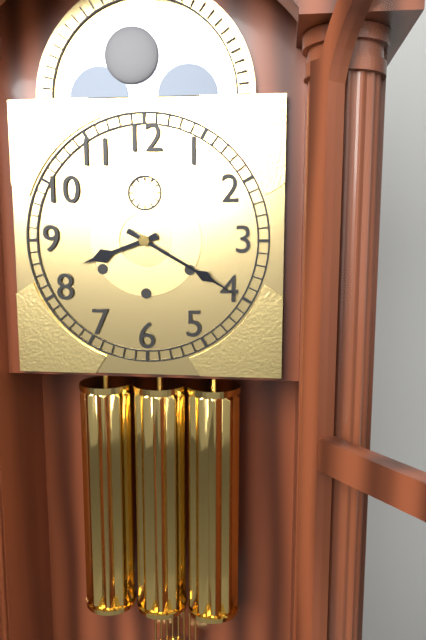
8:20
